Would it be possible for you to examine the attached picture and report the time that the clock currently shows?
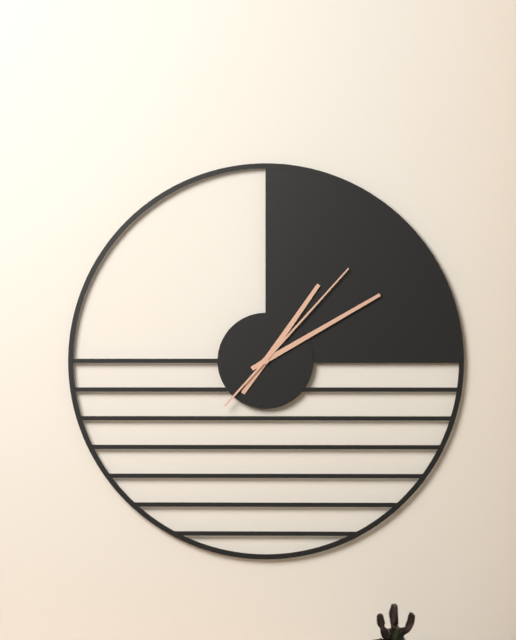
1:10:07
